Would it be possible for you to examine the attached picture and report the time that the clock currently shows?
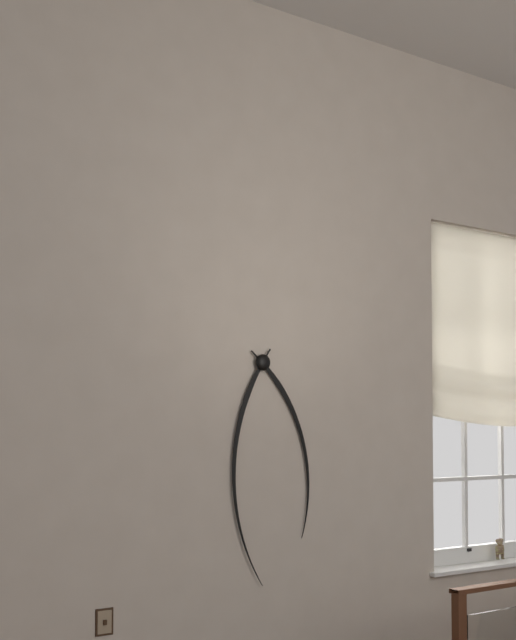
5:30
